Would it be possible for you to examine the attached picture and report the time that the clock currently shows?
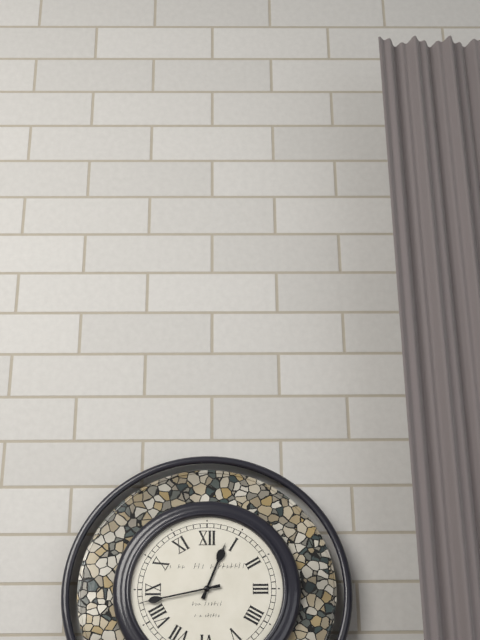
12:43
